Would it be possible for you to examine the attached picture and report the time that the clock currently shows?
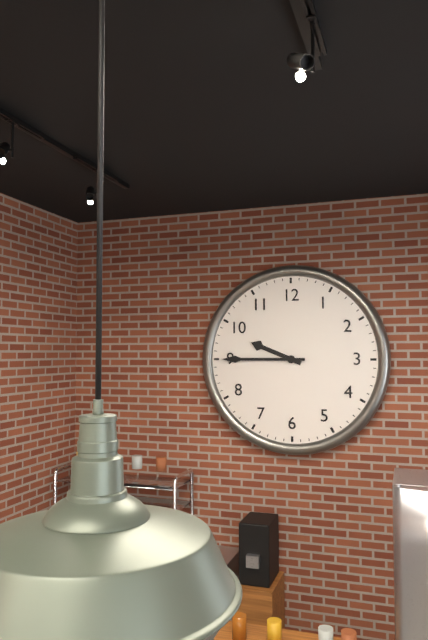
9:45
